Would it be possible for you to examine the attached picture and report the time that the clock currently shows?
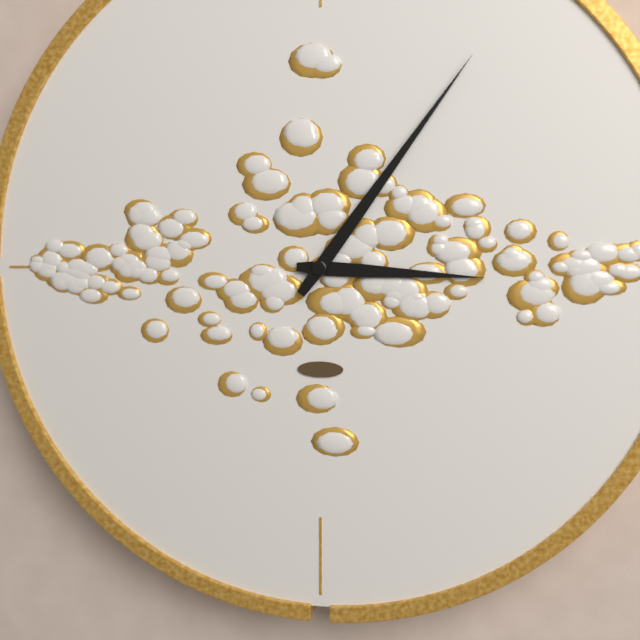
3:06
